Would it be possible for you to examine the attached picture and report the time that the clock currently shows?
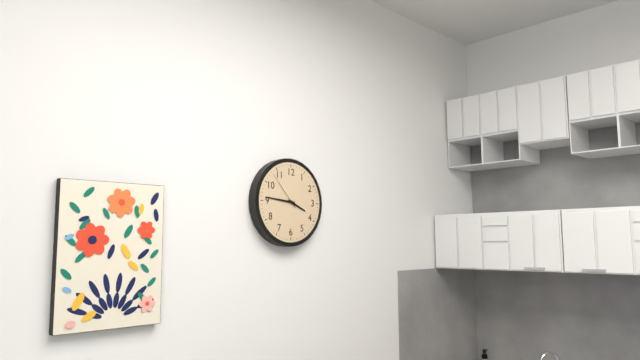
3:46
